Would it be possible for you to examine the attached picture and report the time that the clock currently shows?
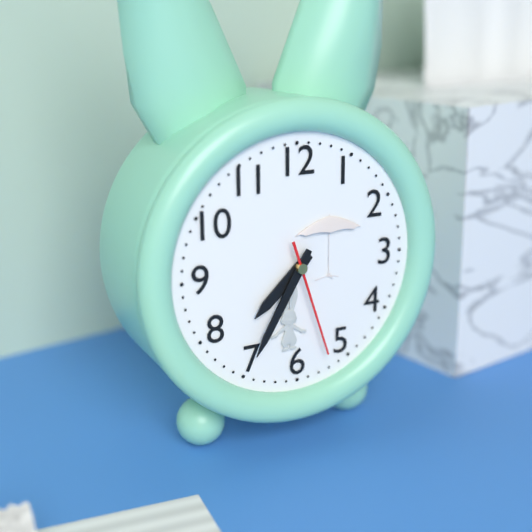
7:35:27
